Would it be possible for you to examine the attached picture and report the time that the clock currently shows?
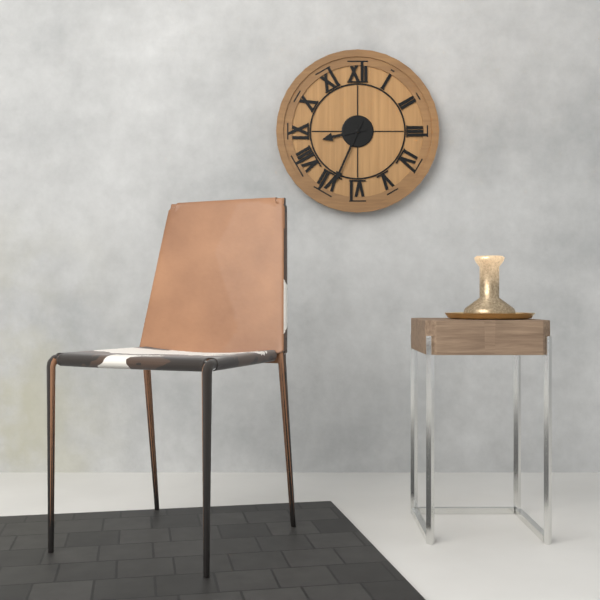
8:34
